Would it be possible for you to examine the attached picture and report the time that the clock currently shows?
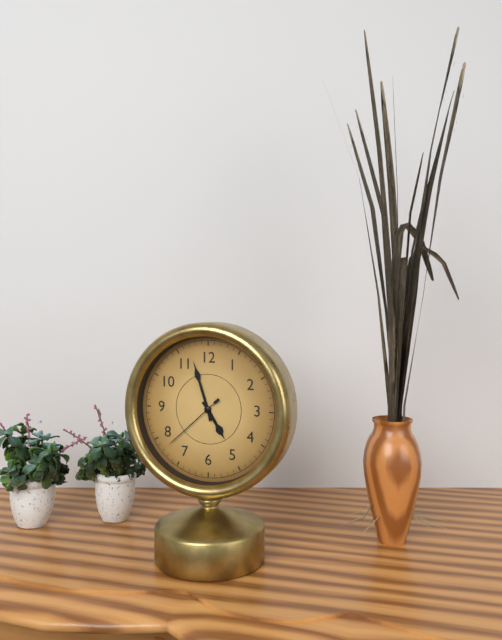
4:57:38
